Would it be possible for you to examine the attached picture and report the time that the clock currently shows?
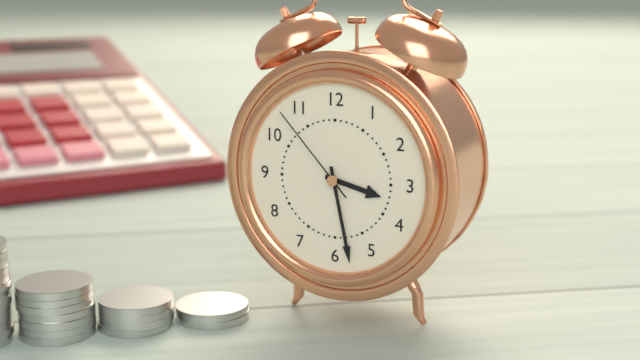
3:28:53
